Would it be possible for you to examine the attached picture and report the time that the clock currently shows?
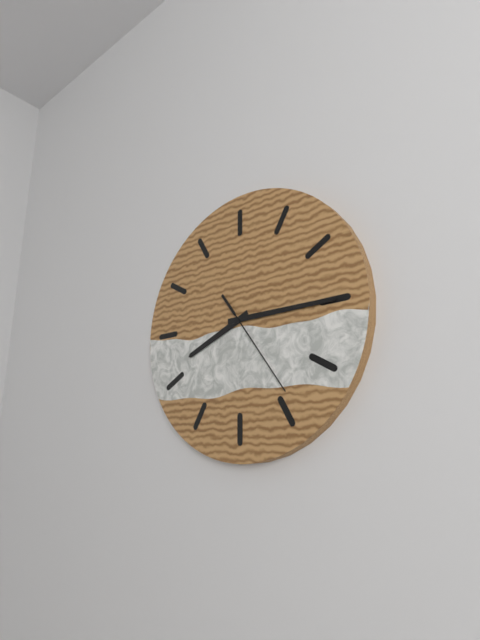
8:15:24
